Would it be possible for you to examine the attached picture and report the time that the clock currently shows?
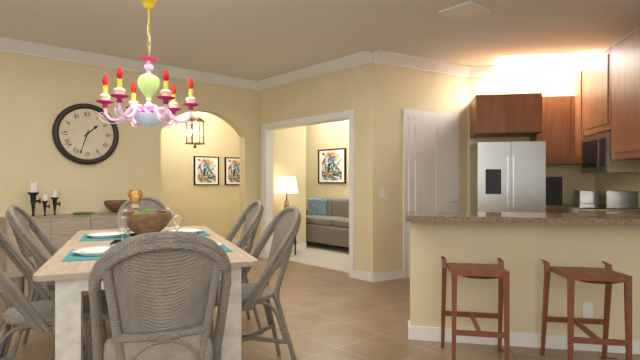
1:33
